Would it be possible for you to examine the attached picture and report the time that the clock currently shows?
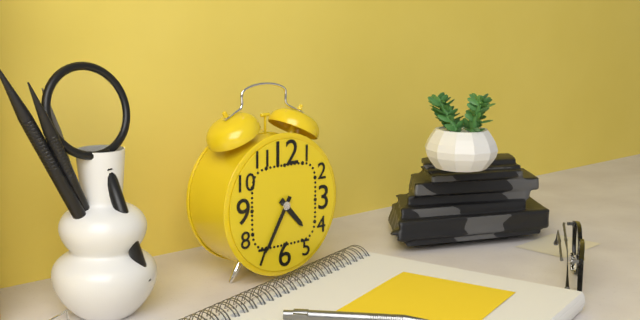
4:35
